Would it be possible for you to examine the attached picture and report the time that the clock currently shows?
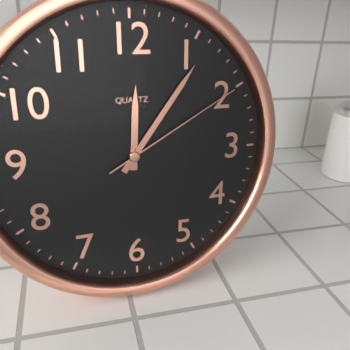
12:06:10
